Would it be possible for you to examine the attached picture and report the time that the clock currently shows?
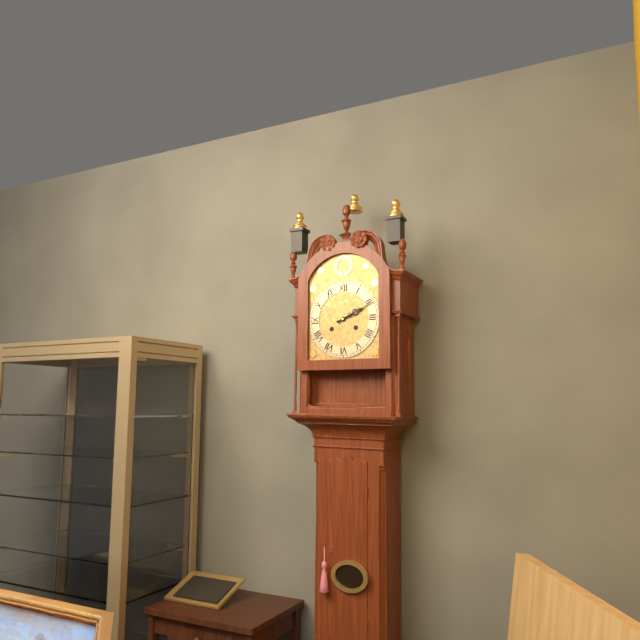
2:11
